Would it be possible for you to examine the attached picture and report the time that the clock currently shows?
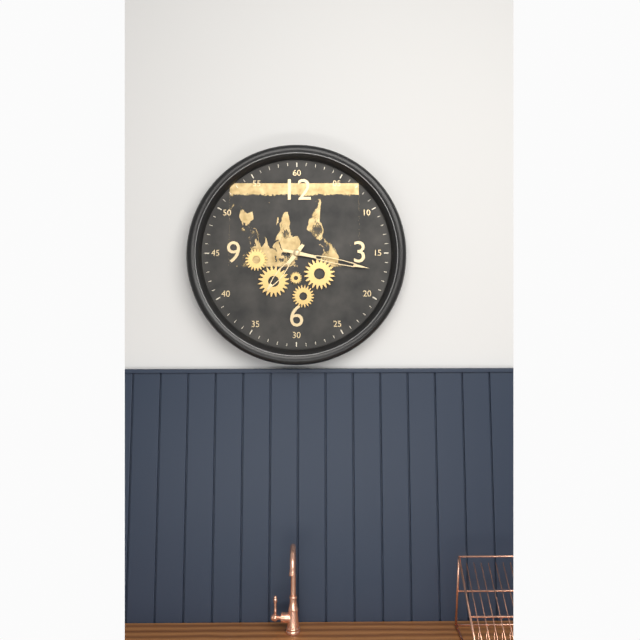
7:17
